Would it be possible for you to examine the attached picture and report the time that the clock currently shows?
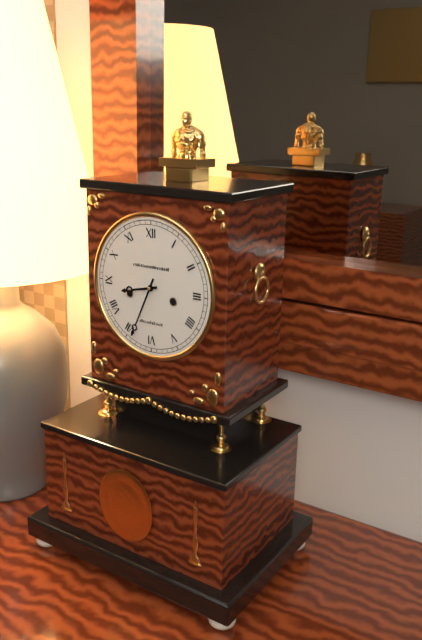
8:34
